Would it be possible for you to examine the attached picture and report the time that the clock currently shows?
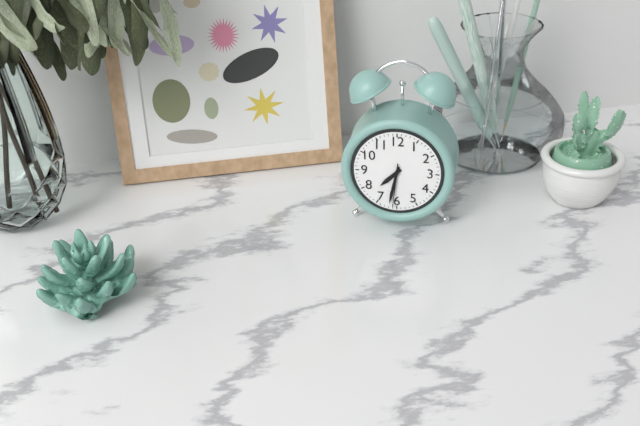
7:32
